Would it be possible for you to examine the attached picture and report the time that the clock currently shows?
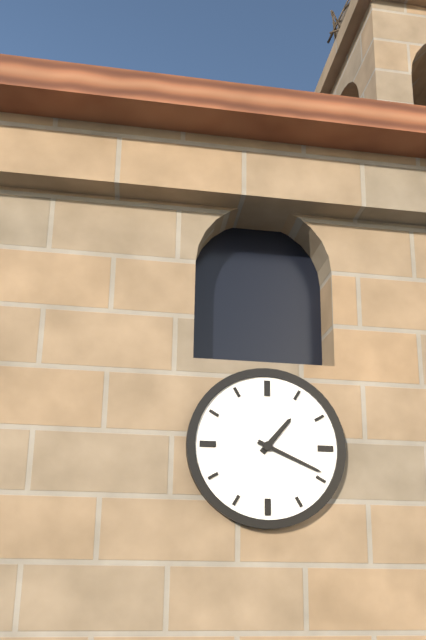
1:19
